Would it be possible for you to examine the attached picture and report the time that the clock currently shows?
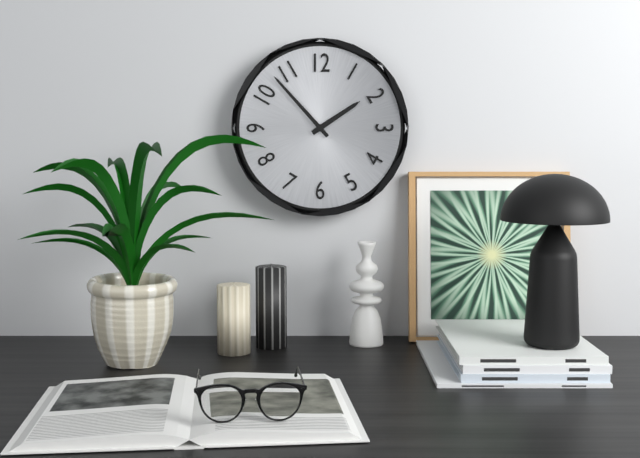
1:53
